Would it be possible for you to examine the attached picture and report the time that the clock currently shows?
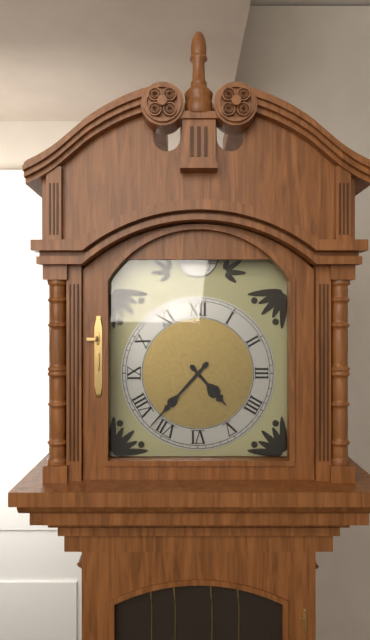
4:37
